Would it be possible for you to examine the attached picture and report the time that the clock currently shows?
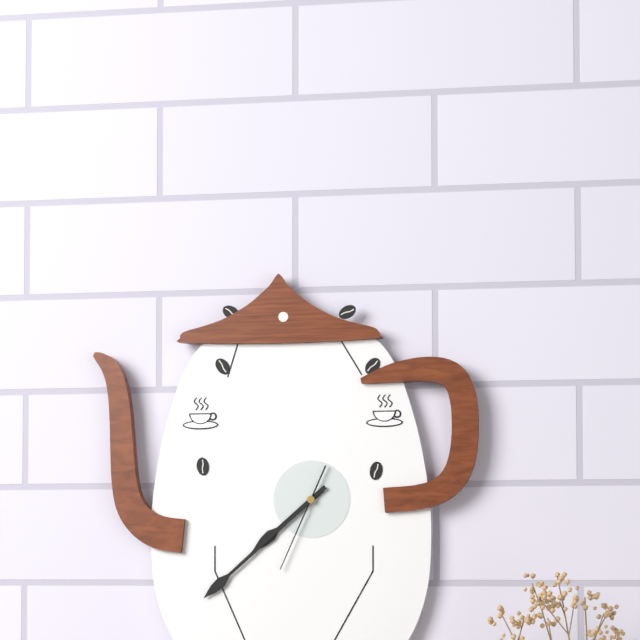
7:38:34
